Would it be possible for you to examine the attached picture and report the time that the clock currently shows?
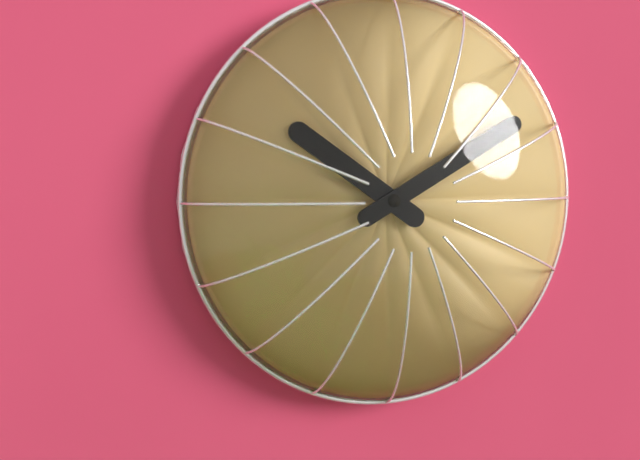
10:10
